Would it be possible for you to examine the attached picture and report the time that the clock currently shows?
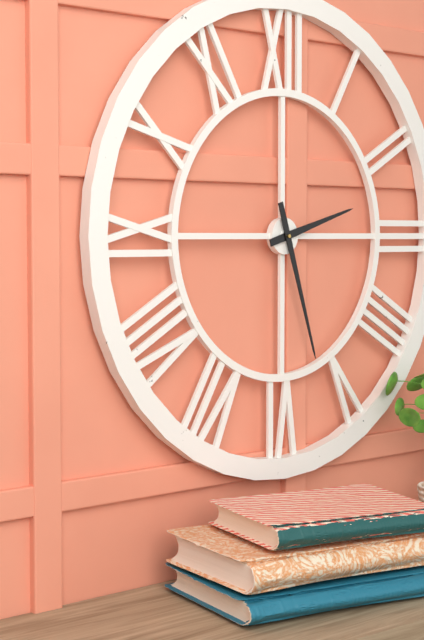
2:27
